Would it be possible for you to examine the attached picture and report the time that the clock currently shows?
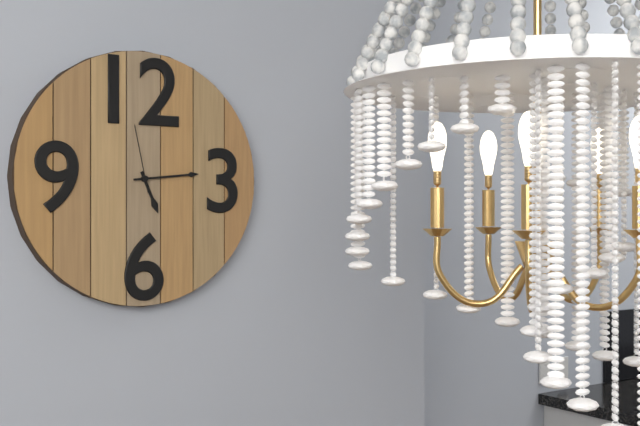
5:14:58
